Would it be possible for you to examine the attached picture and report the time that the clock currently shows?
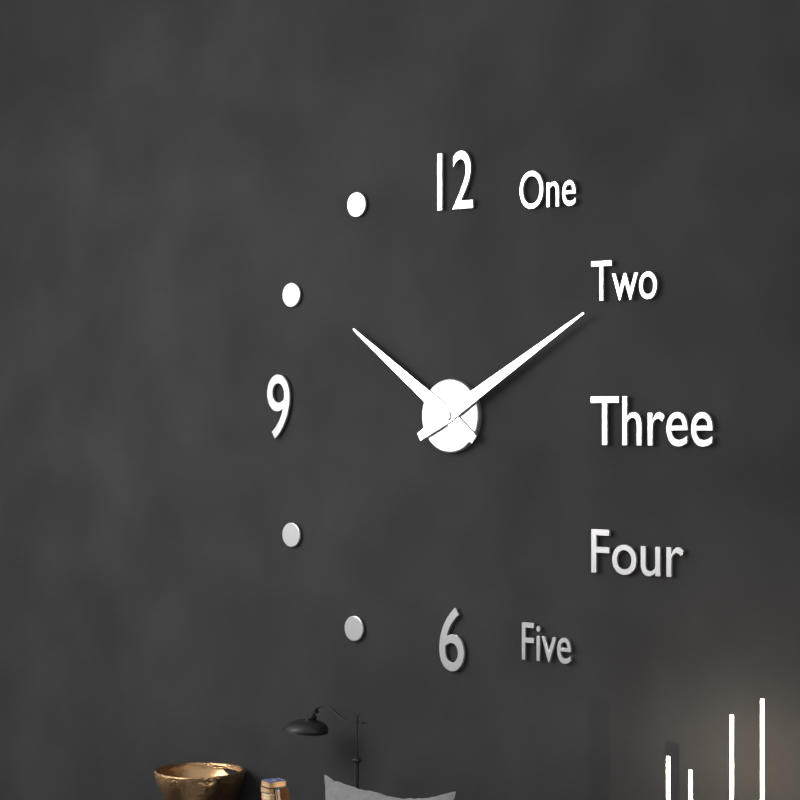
10:10
